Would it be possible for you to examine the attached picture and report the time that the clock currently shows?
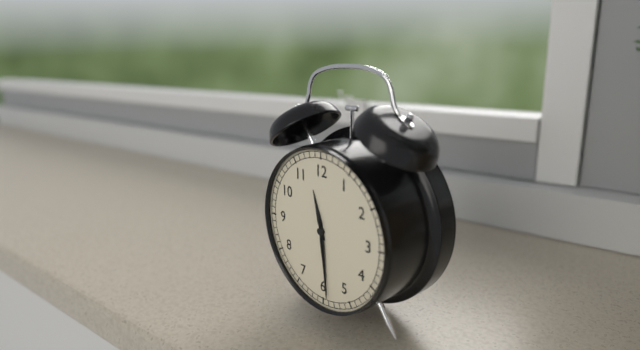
11:29:29
